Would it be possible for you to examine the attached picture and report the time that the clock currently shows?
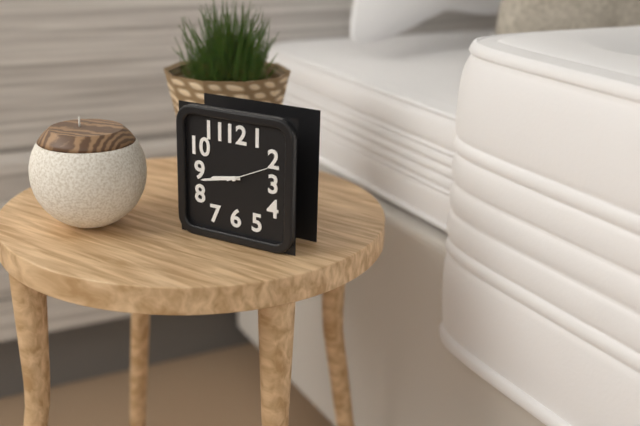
8:43
